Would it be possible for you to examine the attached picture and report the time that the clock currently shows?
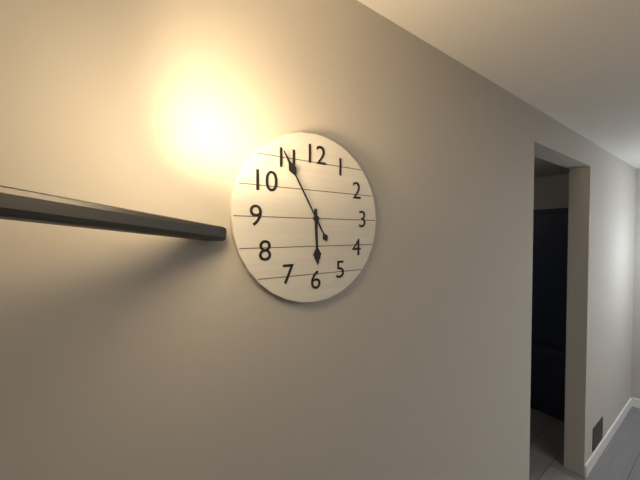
5:55
